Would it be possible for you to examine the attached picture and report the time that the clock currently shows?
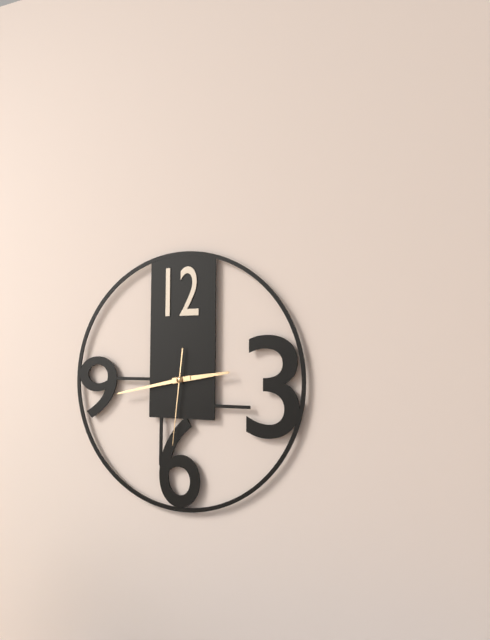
2:43:31
